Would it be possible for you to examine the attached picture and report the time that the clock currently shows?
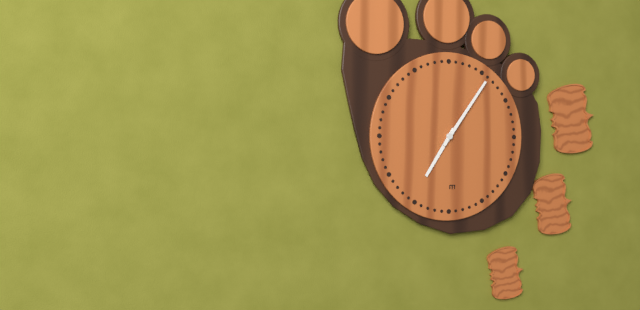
7:06
